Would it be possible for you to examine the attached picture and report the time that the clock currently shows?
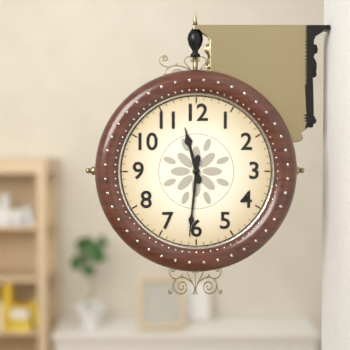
11:31
